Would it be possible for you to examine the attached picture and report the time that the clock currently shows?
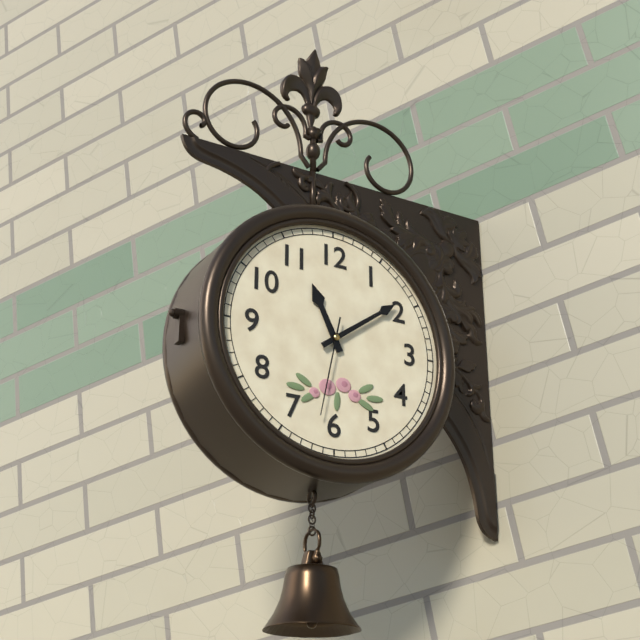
11:09:32
